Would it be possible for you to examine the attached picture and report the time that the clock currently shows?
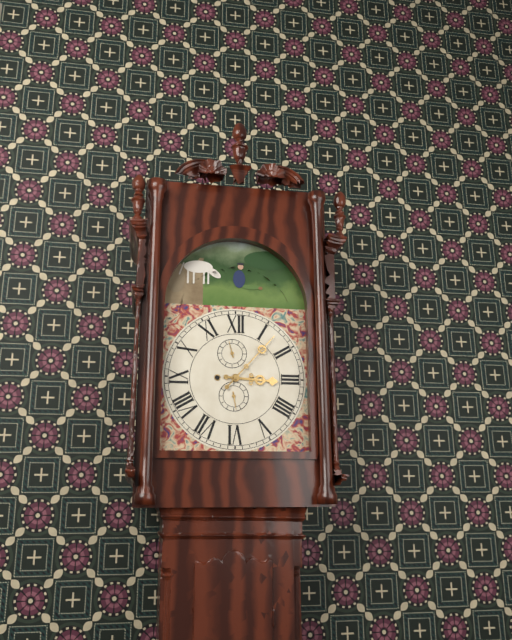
3:07
